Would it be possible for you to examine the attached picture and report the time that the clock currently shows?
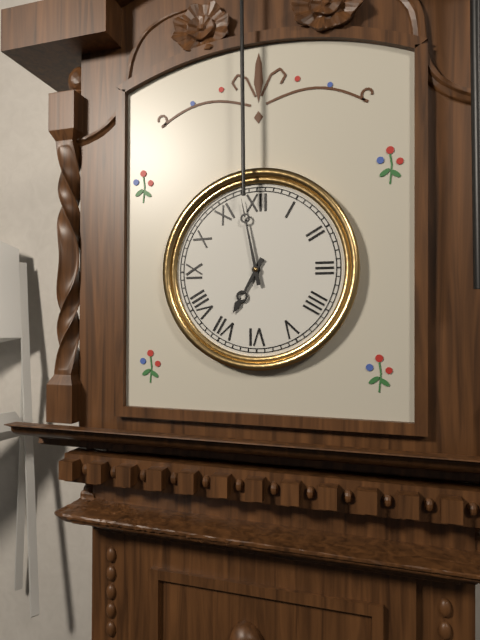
6:58
